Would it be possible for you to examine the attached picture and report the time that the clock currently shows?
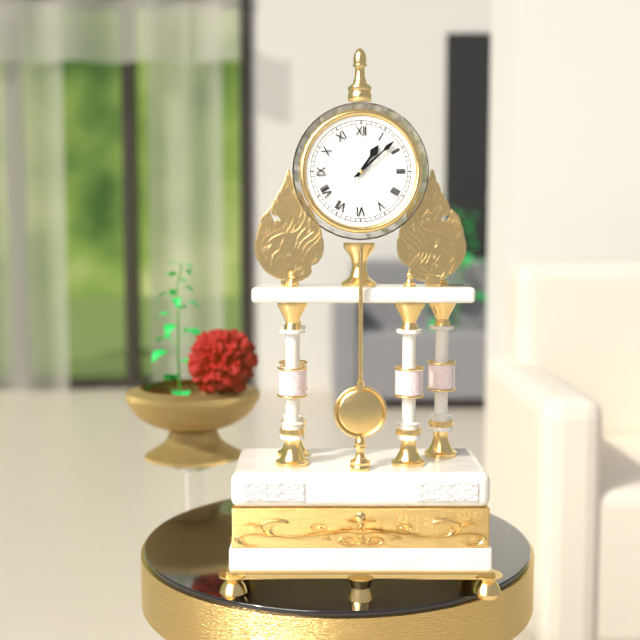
1:08
